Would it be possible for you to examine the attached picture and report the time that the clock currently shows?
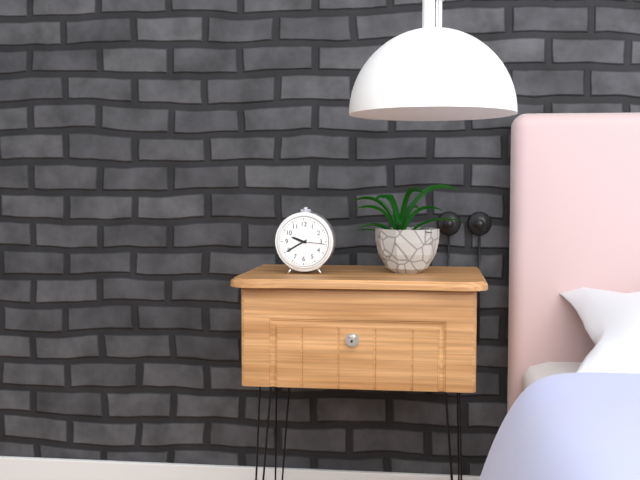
9:40
